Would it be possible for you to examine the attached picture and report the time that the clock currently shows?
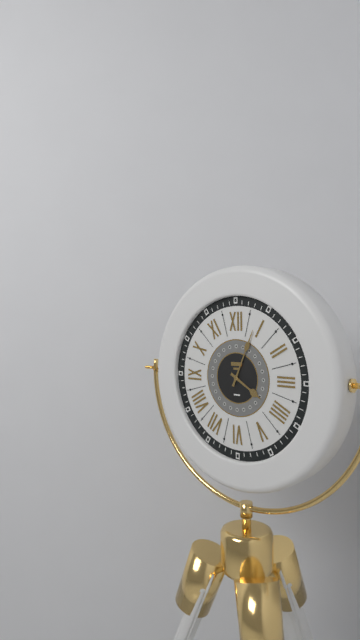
4:04
